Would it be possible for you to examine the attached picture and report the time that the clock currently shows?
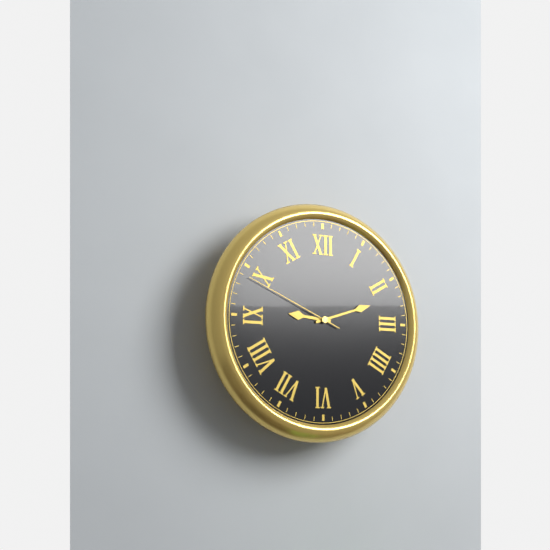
9:12:49
